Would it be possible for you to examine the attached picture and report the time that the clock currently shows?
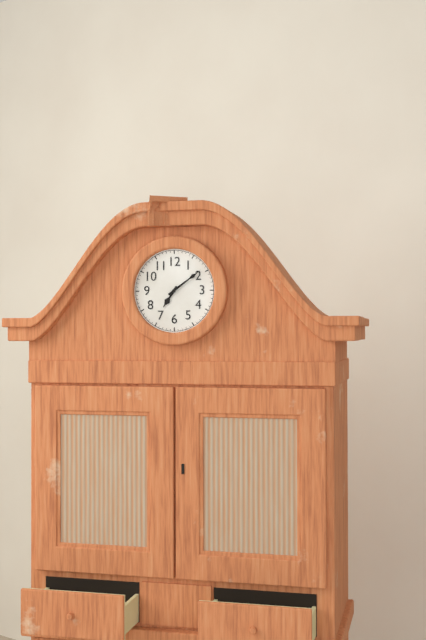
7:09
